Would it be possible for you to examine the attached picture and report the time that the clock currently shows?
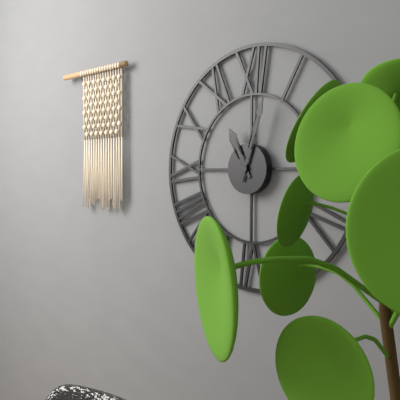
11:03
